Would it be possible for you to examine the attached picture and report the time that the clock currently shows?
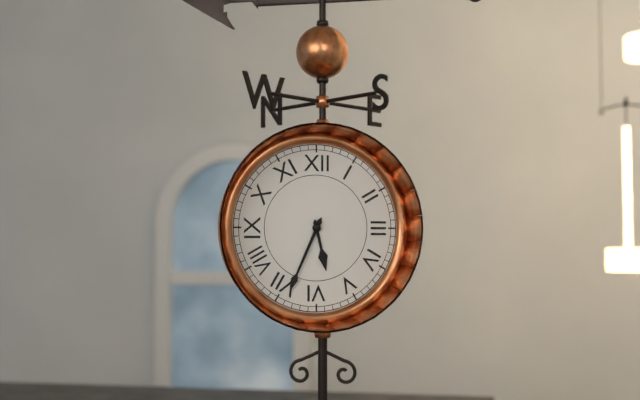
5:34
